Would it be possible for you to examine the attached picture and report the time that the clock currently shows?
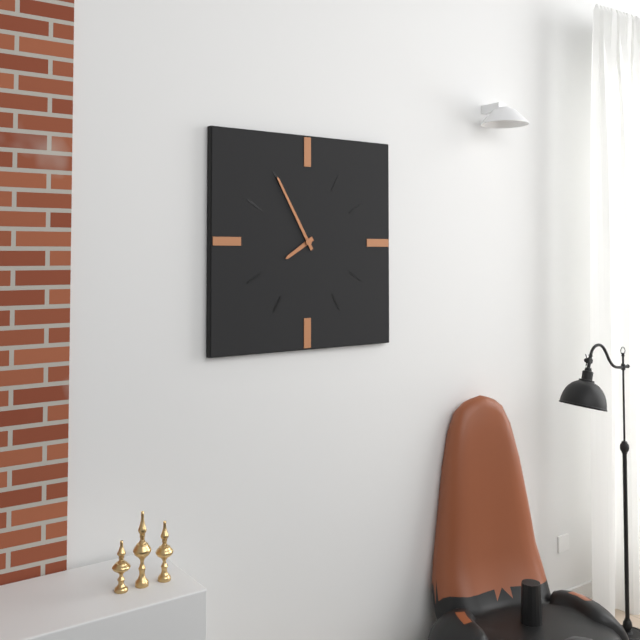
7:55
